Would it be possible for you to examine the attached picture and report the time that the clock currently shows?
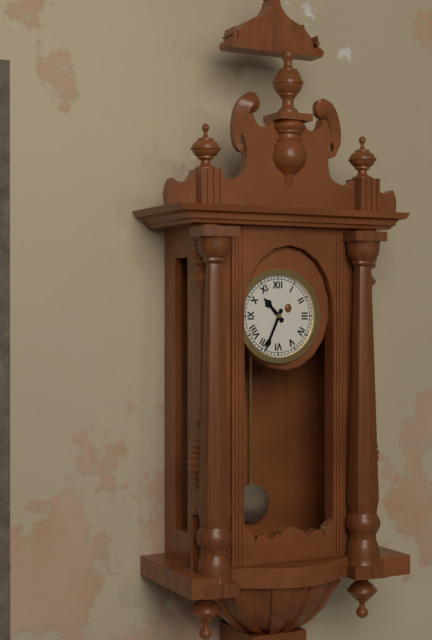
10:34
